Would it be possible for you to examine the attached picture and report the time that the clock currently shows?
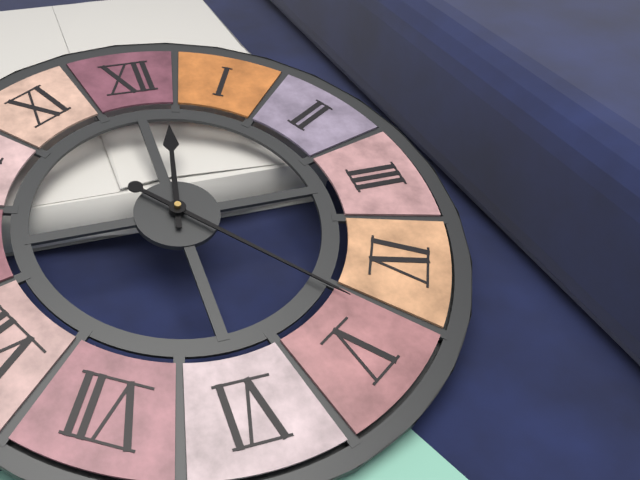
12:23
